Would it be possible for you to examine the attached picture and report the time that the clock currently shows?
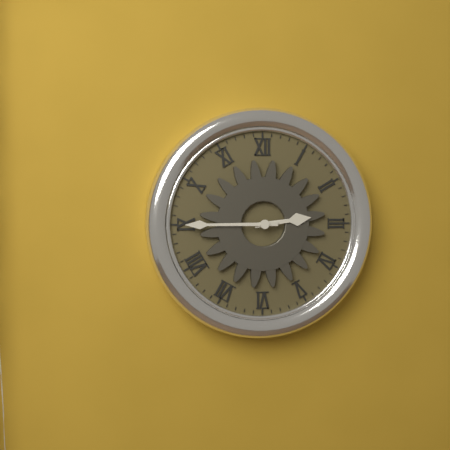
2:45
